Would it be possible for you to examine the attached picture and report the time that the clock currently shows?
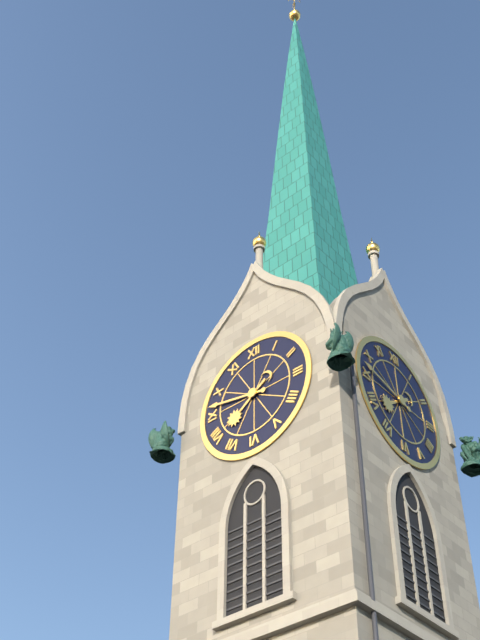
7:47
